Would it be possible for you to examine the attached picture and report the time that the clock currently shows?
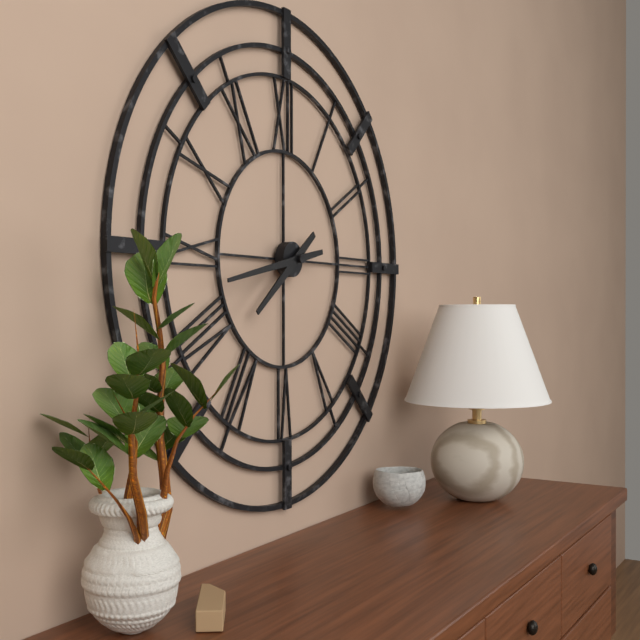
7:43
